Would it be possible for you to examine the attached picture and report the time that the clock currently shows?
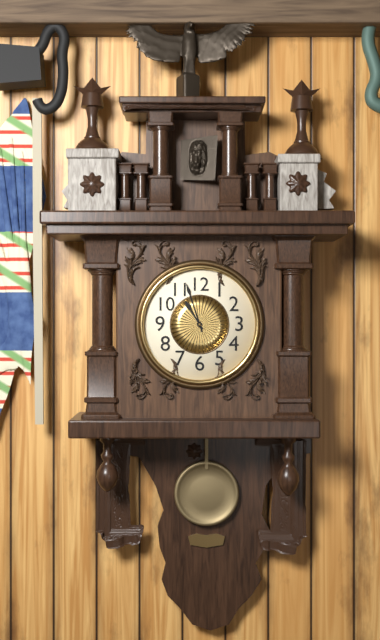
10:57
